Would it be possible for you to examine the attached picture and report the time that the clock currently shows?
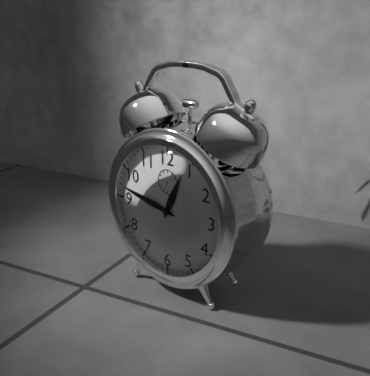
12:47
